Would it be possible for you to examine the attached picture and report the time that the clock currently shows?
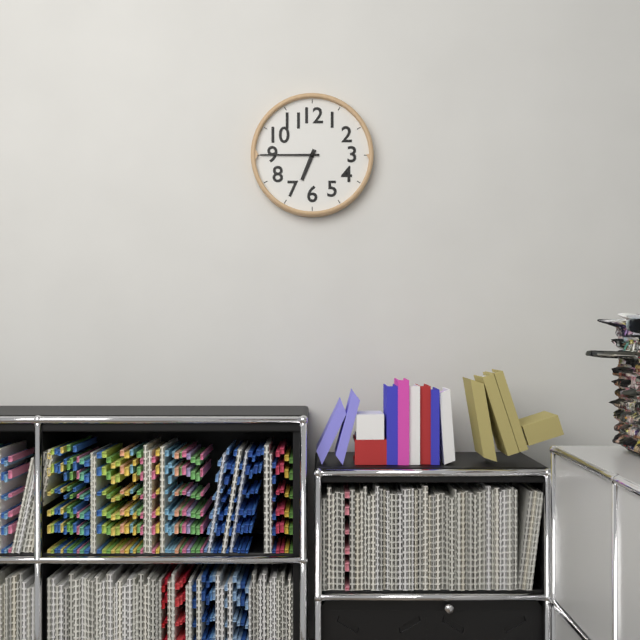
6:45
